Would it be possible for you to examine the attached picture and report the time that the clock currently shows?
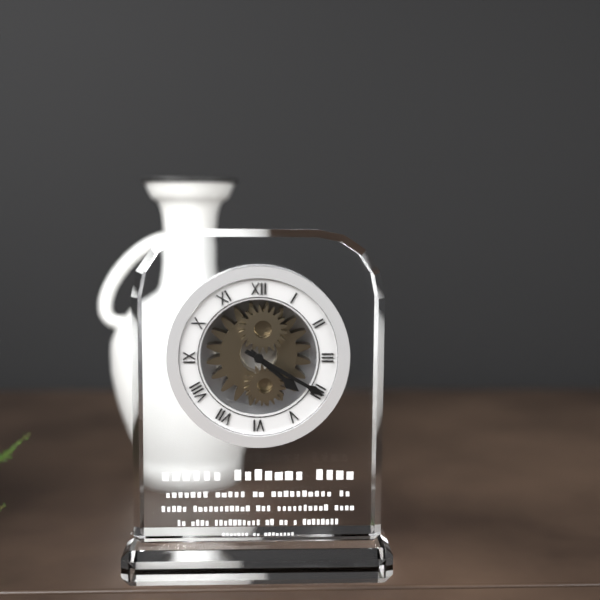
4:20
